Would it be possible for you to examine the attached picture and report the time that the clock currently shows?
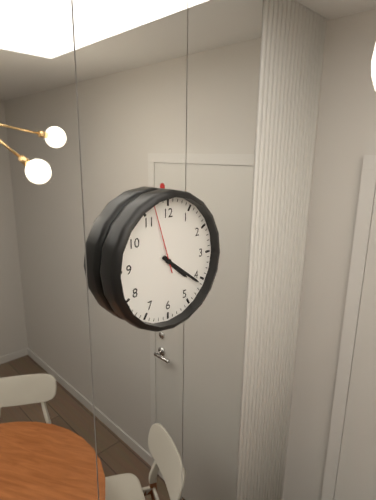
4:21:57
